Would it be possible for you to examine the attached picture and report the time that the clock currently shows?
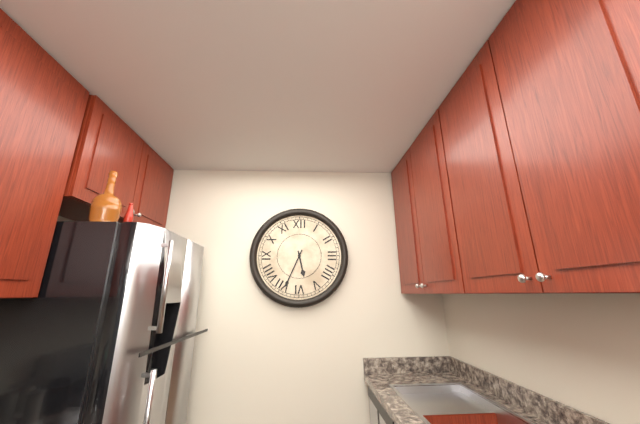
5:34
